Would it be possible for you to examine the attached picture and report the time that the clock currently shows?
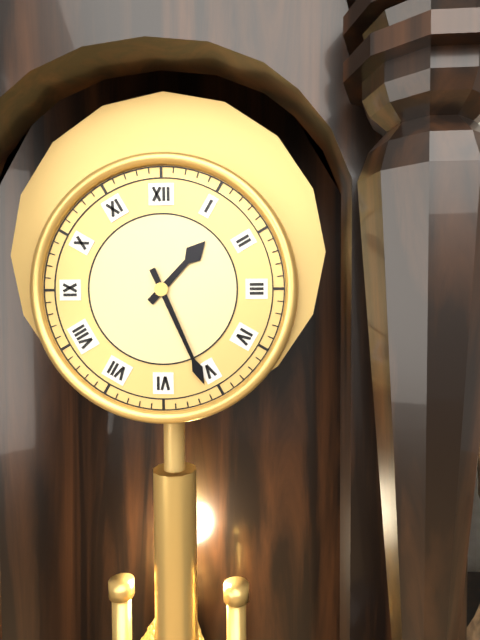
1:26
